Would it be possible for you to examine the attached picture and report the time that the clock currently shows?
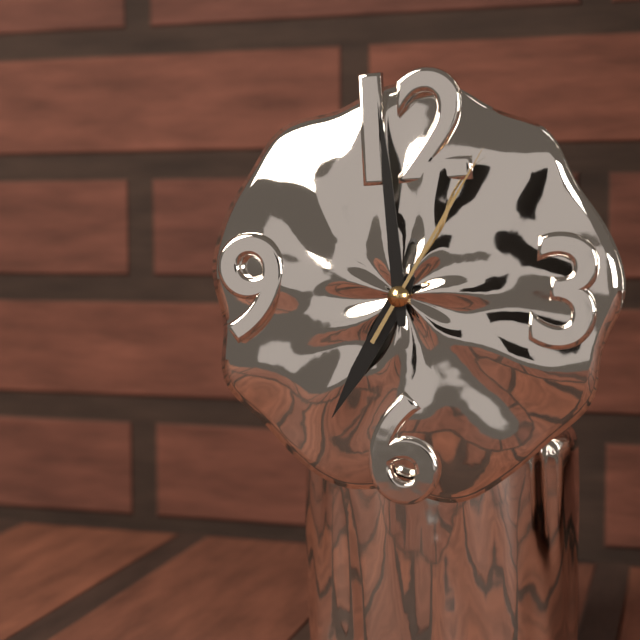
6:59:05
